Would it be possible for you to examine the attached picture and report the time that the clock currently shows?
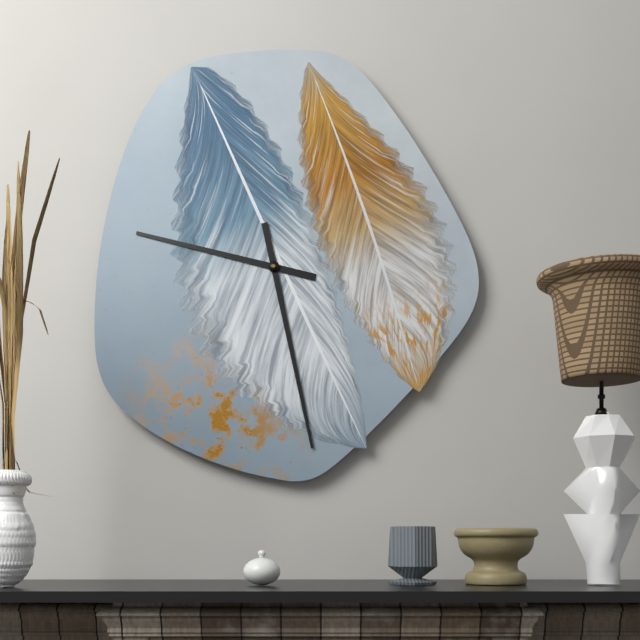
9:28
